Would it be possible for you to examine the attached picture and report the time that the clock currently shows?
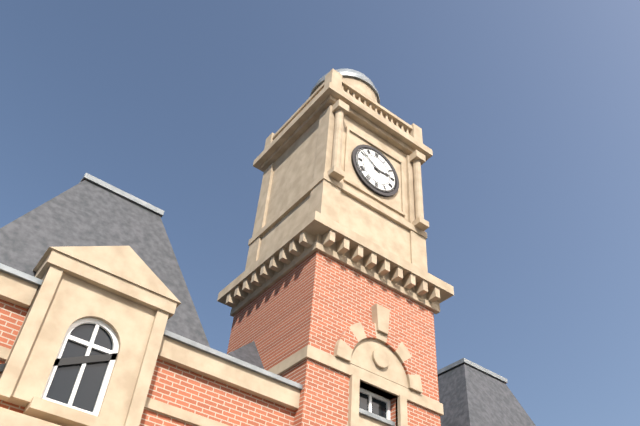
2:51
